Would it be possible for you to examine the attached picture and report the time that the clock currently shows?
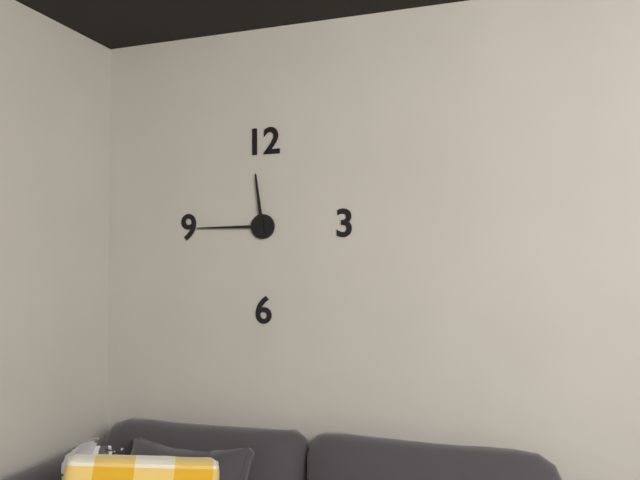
11:45
